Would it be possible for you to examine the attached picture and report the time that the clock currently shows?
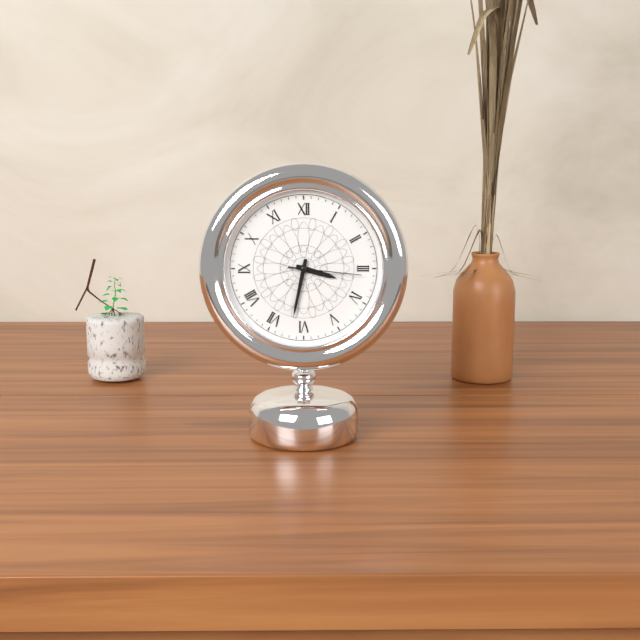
3:32:16
